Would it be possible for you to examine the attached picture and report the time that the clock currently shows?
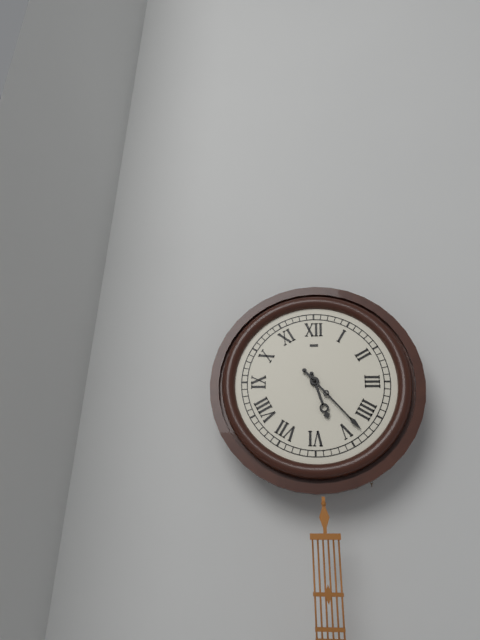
5:23
